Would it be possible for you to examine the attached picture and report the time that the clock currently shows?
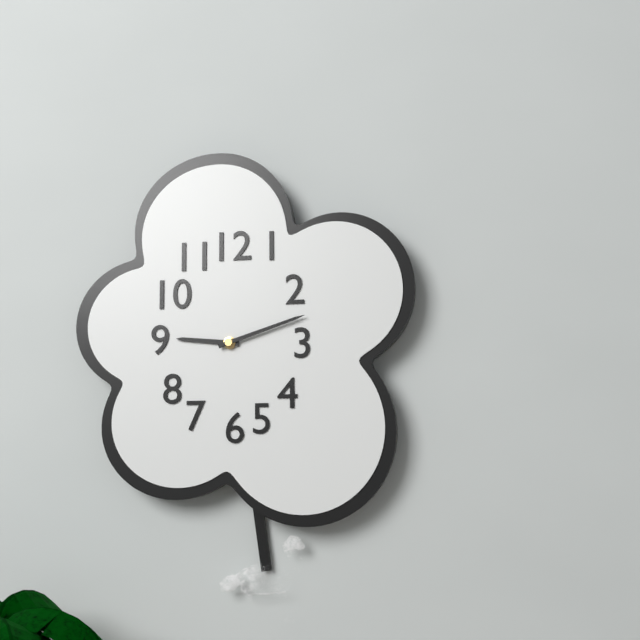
9:12
